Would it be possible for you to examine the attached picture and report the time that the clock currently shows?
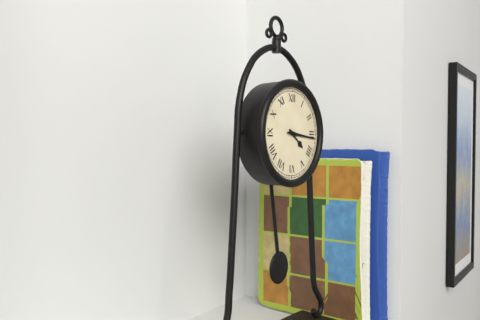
4:16
